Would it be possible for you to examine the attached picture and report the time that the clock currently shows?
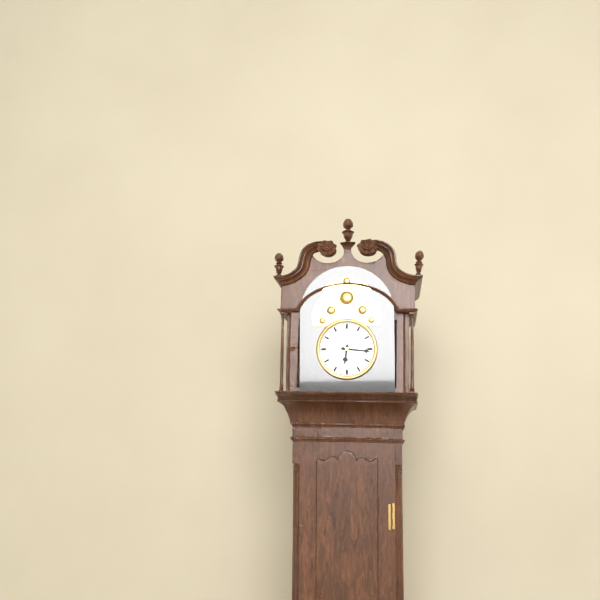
6:16
